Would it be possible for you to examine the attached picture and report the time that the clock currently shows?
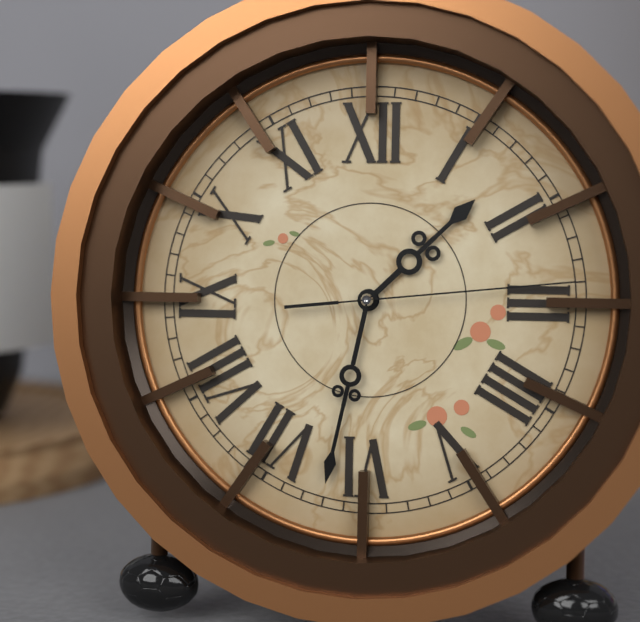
1:32:14
